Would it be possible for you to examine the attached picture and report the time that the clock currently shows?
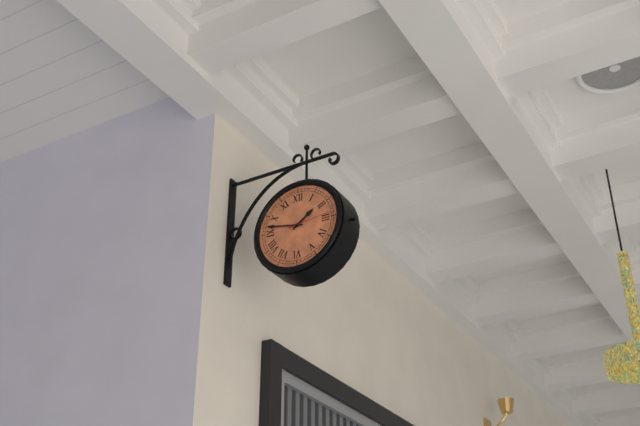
1:47
